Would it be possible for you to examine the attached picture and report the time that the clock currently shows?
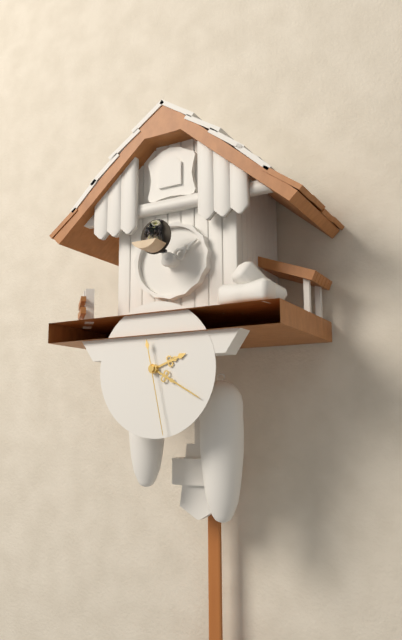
2:20:28
